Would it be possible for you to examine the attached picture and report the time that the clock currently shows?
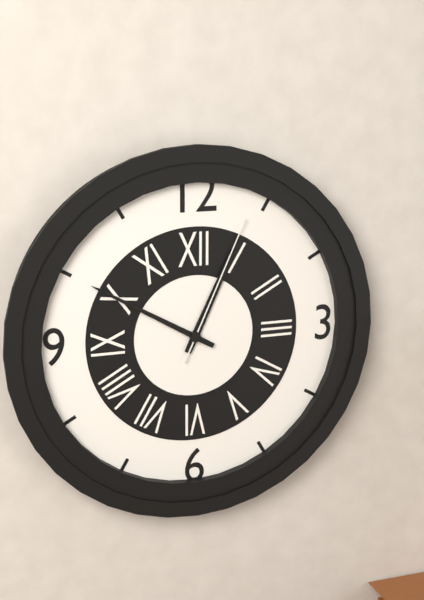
12:50:04
